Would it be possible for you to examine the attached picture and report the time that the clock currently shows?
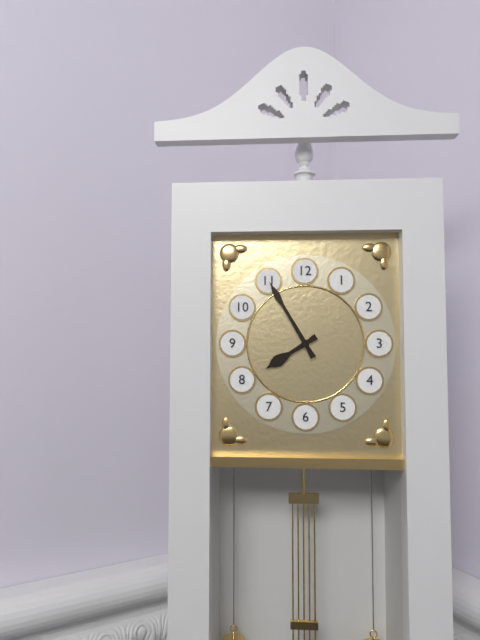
7:55
